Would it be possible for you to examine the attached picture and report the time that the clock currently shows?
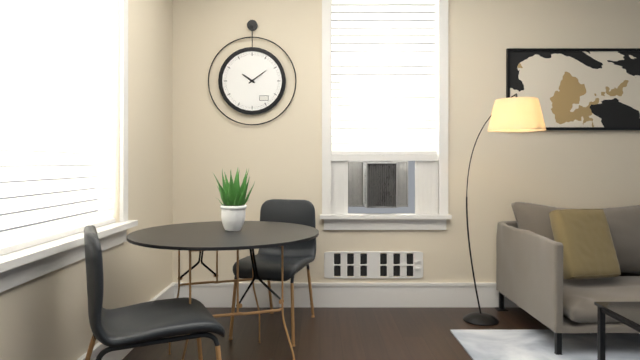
10:09
